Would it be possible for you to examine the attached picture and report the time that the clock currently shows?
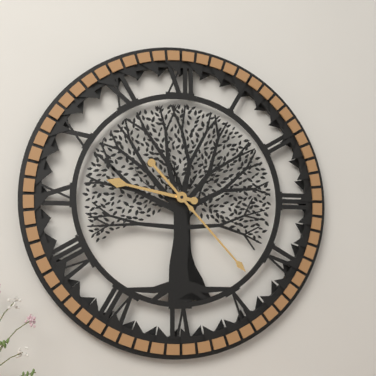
9:23
